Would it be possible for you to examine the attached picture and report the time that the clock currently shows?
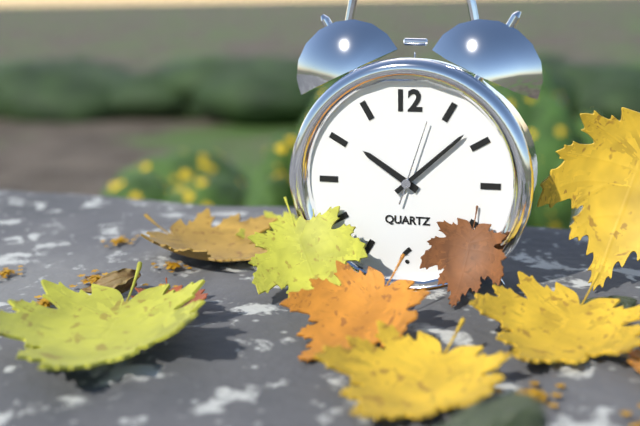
10:08:03
